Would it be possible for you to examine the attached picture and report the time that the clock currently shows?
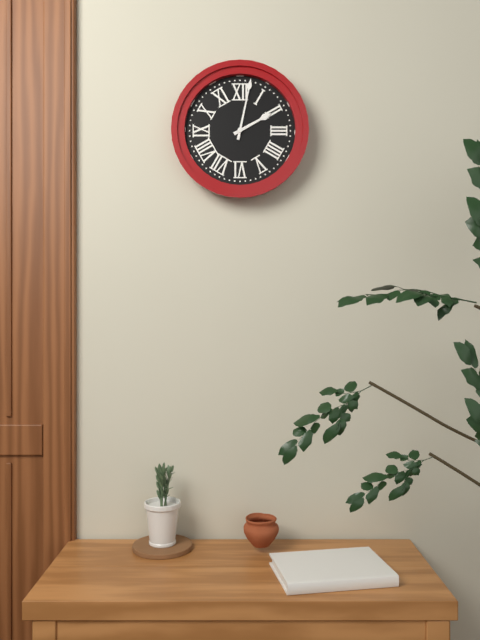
2:02
